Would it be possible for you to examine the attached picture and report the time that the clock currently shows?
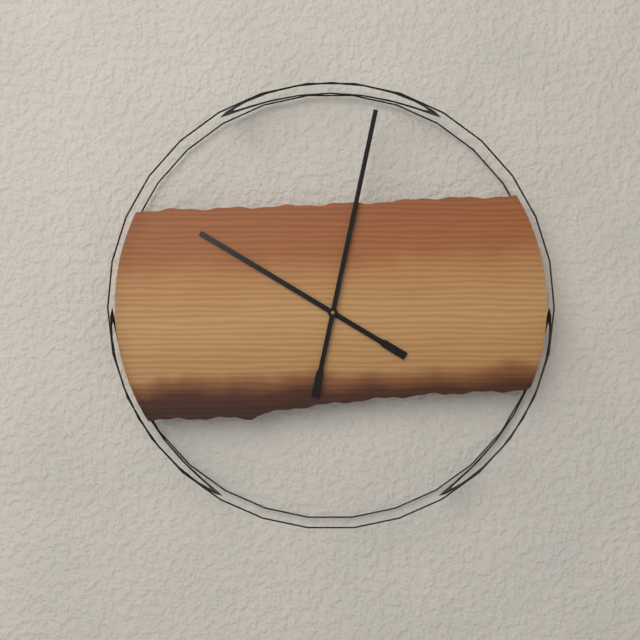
10:02
